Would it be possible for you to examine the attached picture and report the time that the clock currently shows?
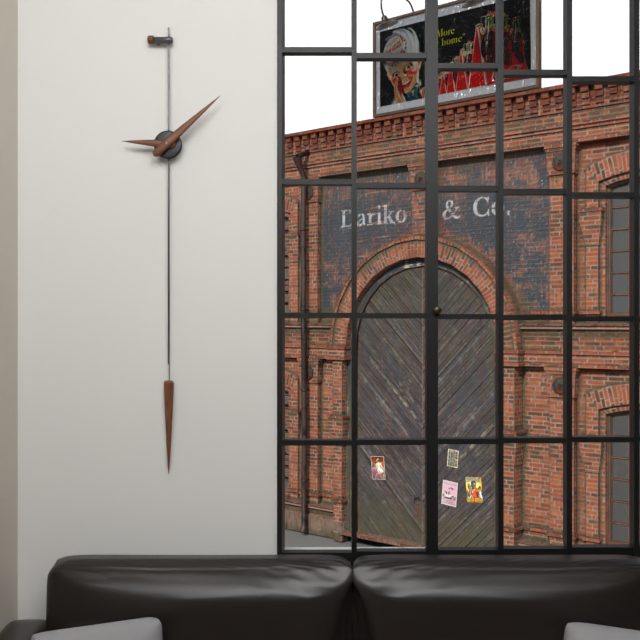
9:08
